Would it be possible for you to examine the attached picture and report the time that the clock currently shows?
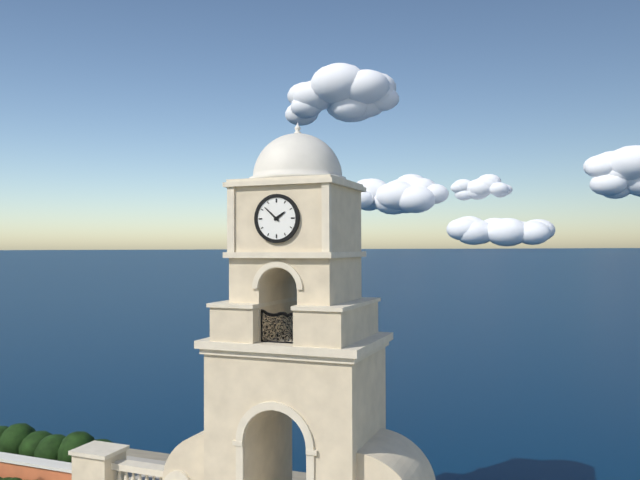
1:52
